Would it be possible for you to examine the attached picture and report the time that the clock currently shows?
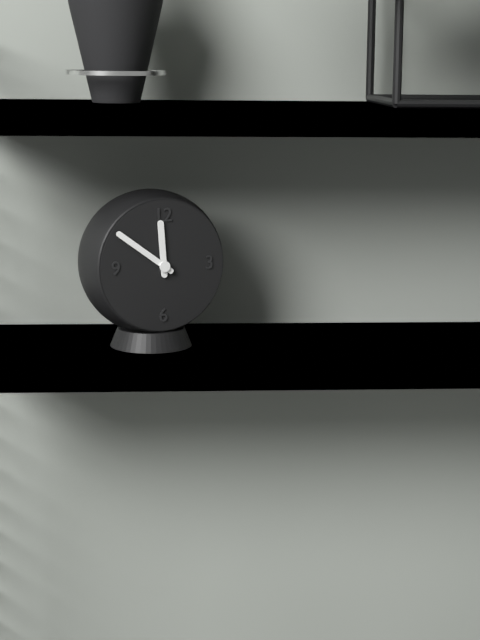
11:51
